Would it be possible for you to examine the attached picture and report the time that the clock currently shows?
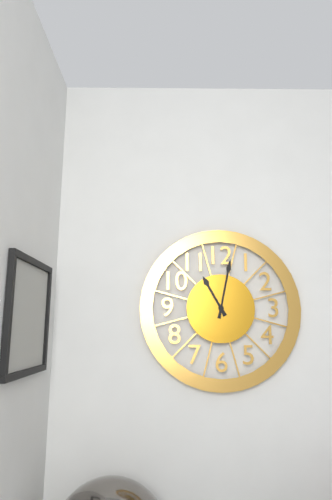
11:02
